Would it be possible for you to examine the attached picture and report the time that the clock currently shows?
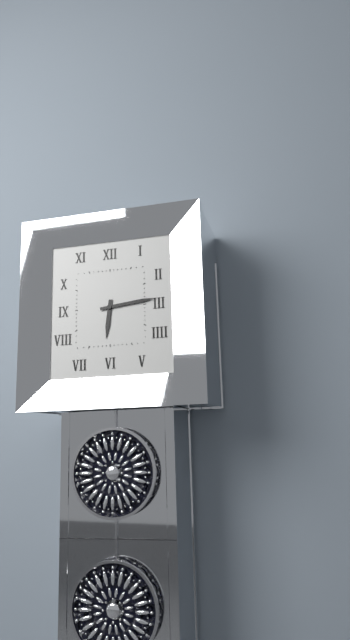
6:14
